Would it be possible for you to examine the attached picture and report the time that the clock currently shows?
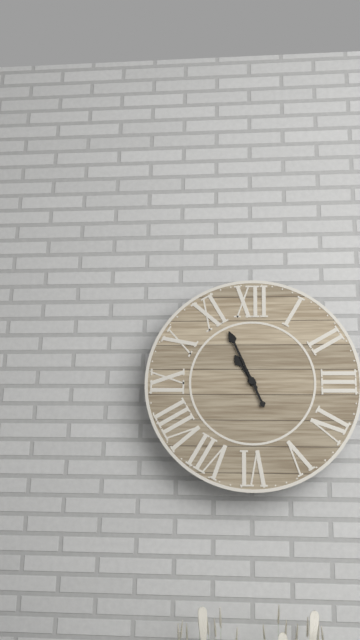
10:56
